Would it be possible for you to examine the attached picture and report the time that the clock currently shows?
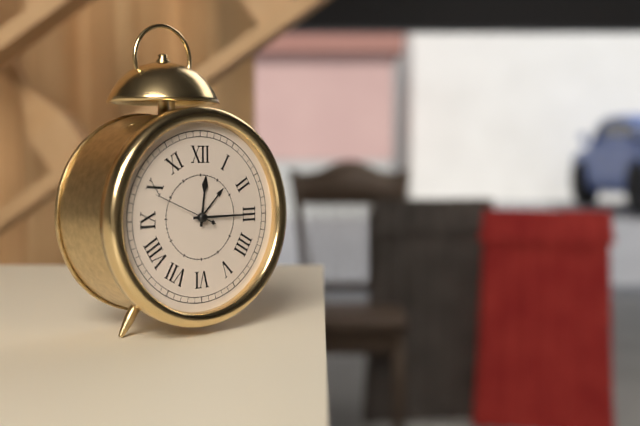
12:15:49
